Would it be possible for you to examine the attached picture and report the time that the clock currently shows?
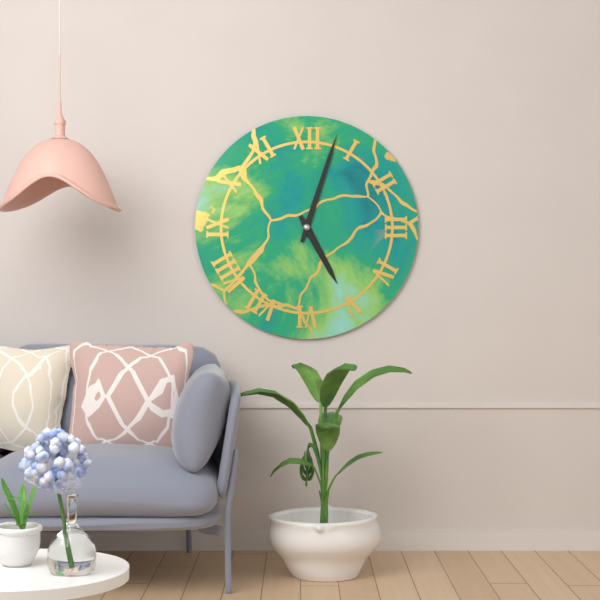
5:03
